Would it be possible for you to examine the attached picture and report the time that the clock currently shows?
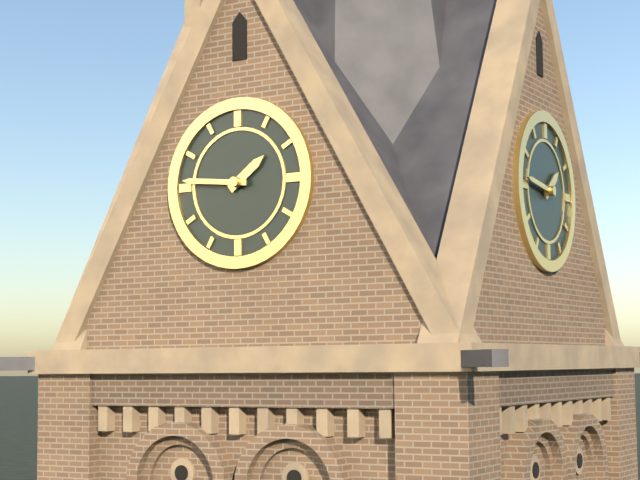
1:46
